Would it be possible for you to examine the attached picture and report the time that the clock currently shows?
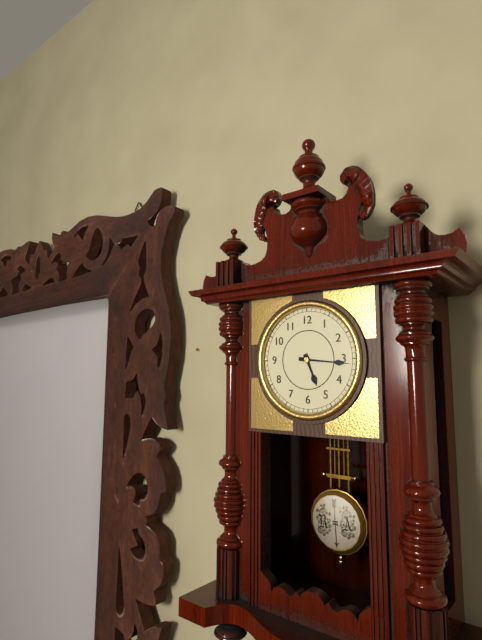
5:16
